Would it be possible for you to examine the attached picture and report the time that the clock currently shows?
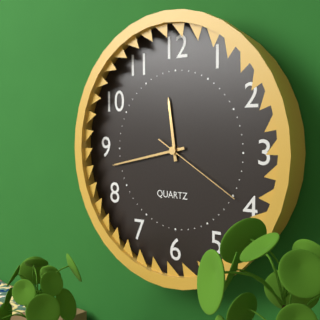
11:43:20
